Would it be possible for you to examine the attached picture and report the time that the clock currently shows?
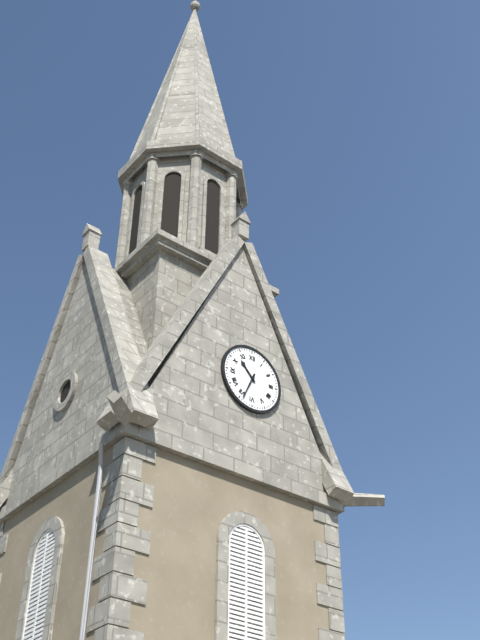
10:34
